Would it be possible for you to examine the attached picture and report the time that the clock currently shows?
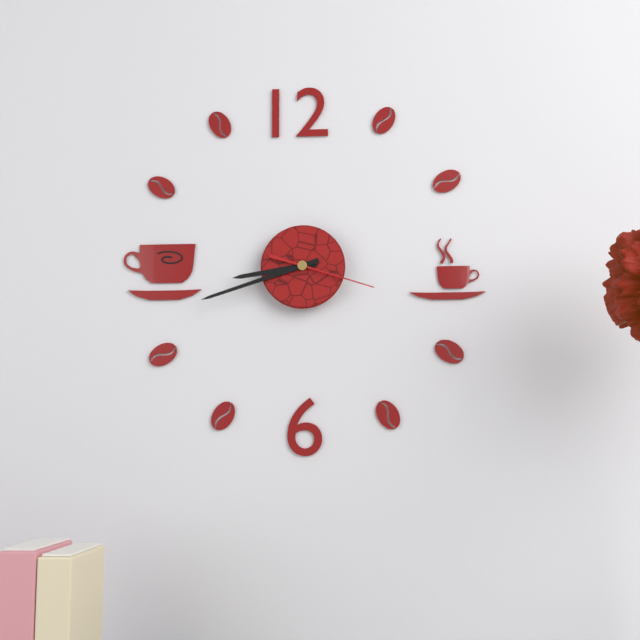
8:42:18
